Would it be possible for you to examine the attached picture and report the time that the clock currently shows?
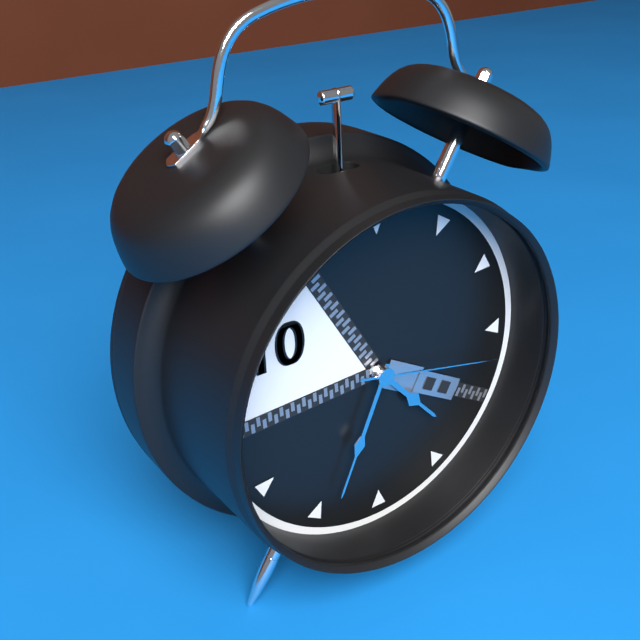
4:34:17
